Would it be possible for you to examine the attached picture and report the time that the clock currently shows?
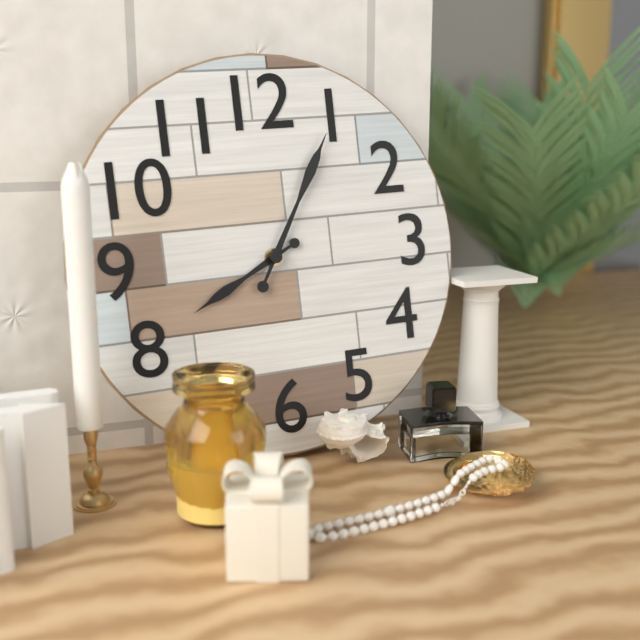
8:05
